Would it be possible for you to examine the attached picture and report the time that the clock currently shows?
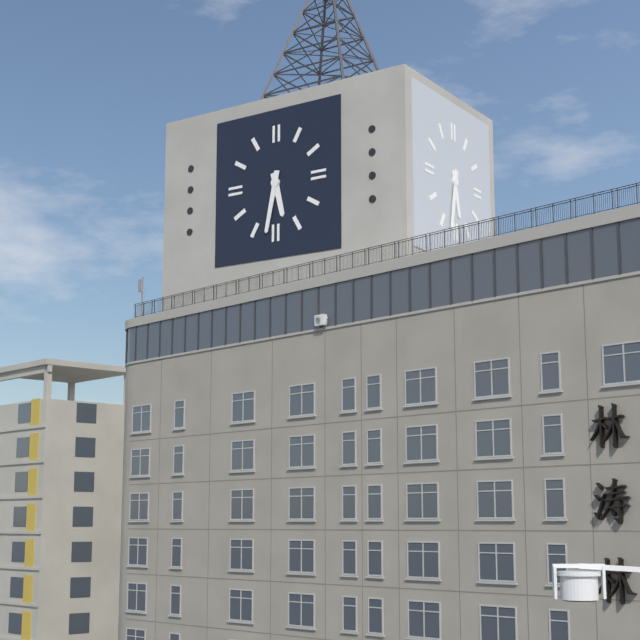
5:32
